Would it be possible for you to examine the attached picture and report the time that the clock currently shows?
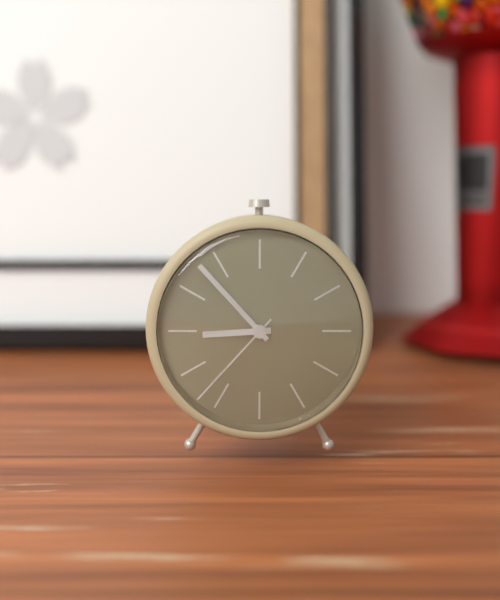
8:53:37
